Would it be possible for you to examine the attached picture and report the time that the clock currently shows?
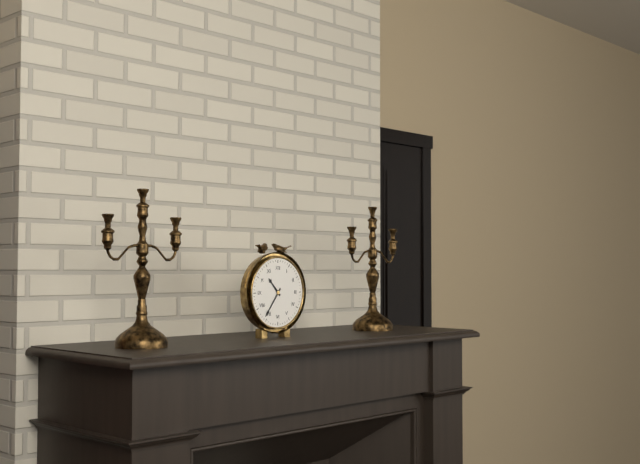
10:36
